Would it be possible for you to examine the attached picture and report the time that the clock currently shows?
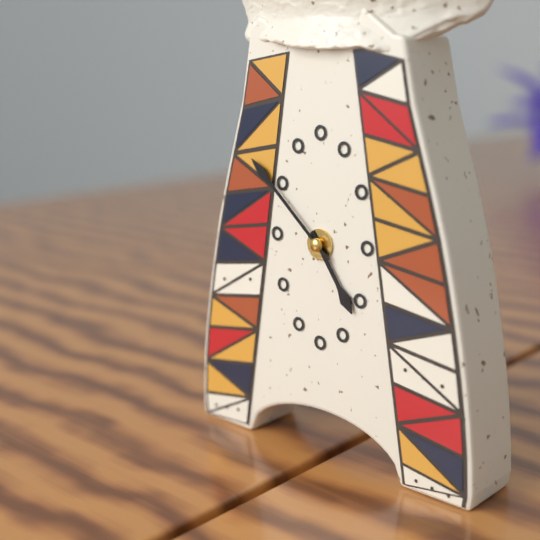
4:52
